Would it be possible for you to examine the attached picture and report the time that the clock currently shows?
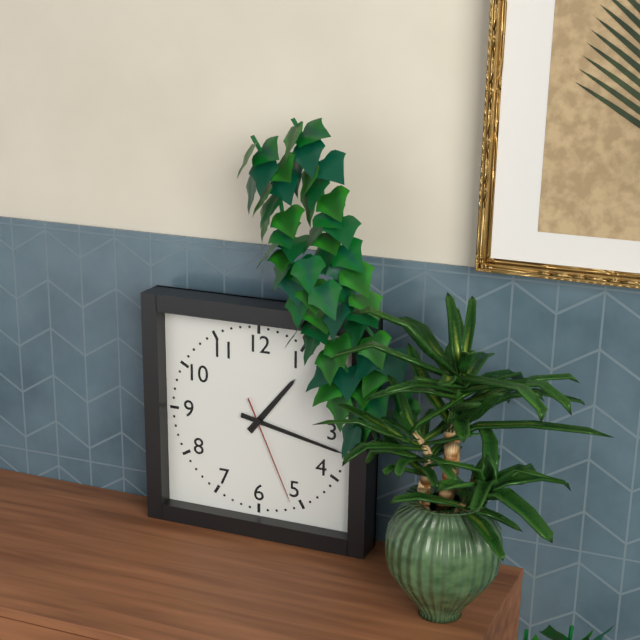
1:17:26
